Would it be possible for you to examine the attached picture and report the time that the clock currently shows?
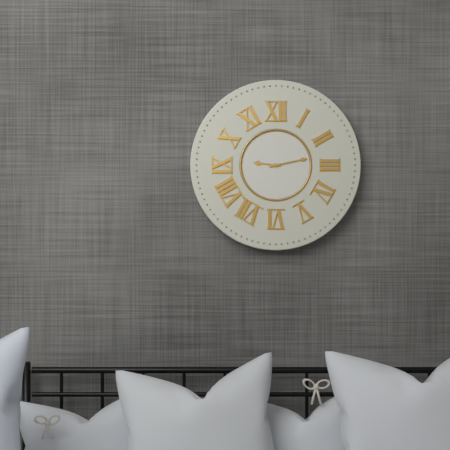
9:13
